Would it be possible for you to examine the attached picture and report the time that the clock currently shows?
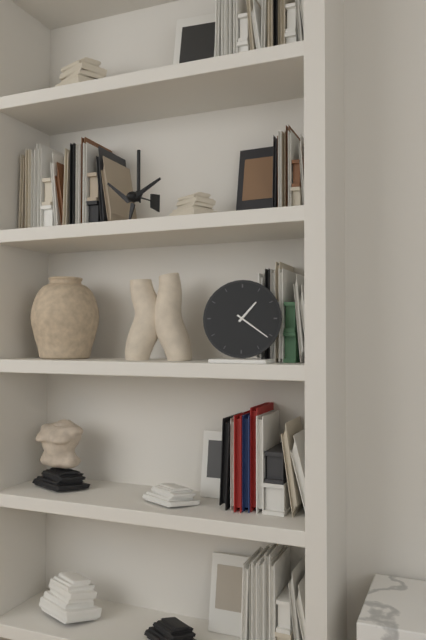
1:21
